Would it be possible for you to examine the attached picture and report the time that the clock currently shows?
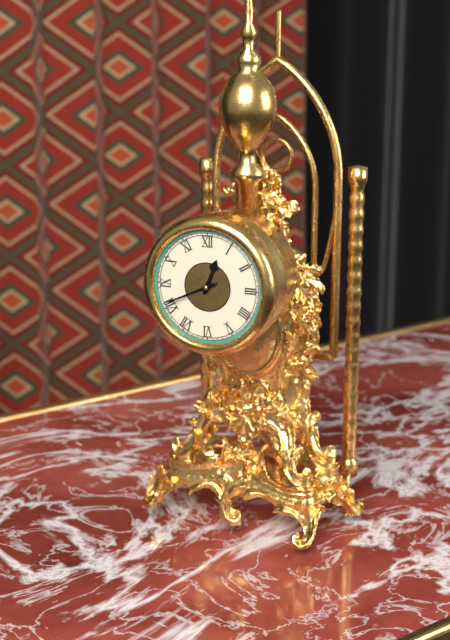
12:41
